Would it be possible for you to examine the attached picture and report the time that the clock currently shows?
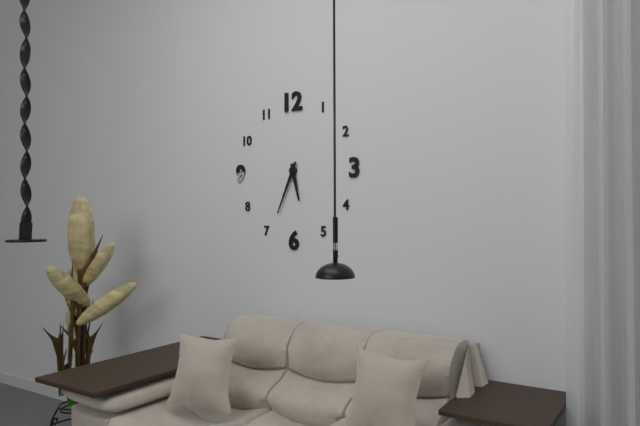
5:34
